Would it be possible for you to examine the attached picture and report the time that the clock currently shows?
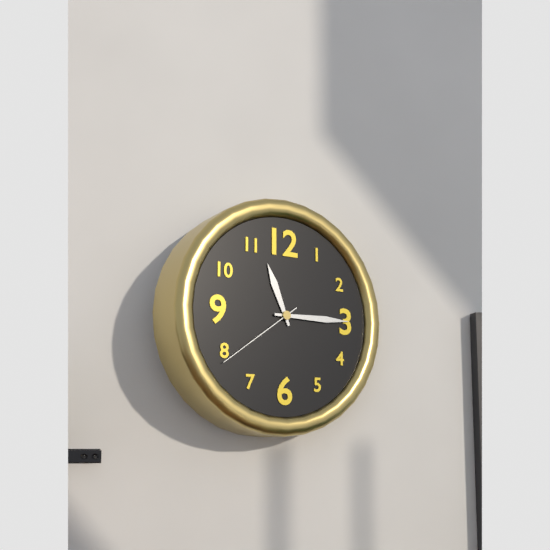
11:15:39
